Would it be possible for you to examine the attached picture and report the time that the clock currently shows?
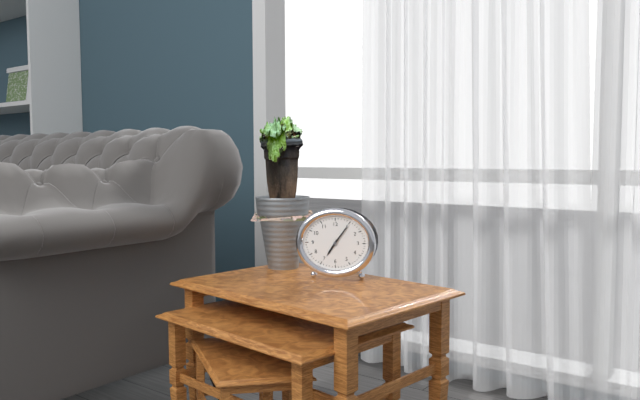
7:06
